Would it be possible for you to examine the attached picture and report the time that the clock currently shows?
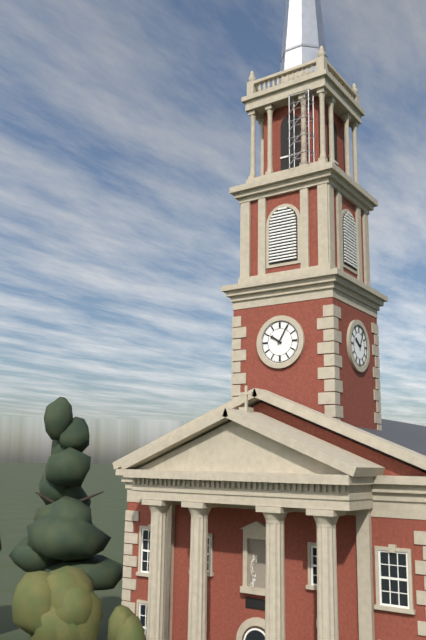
10:05
